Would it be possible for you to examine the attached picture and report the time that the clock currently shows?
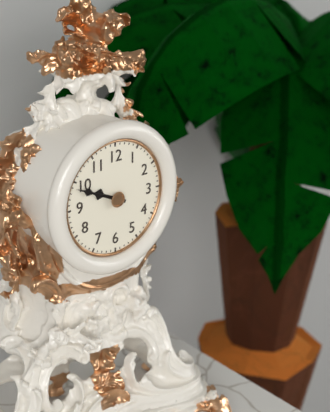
9:49
